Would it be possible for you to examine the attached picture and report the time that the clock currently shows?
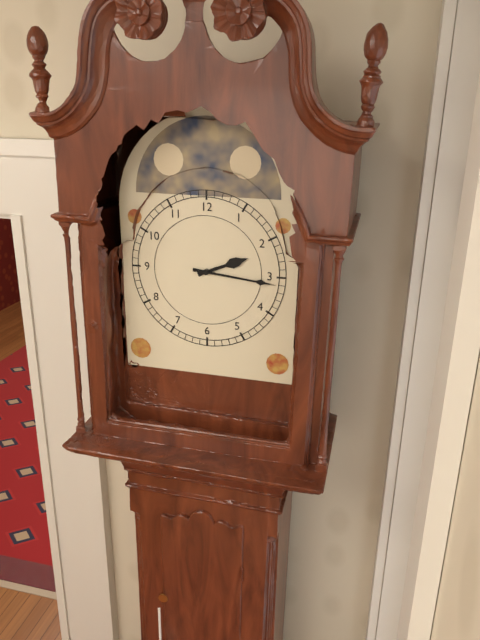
2:16
